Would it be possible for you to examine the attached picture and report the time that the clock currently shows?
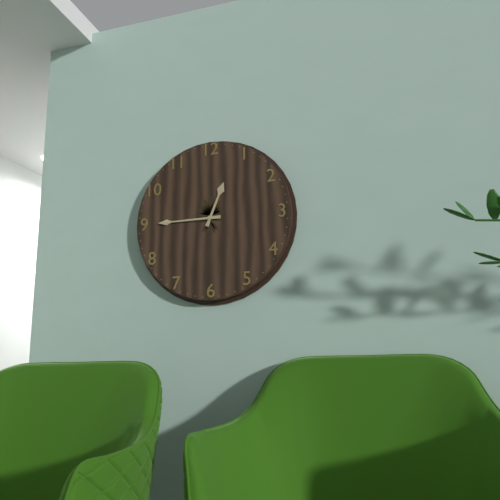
12:45
